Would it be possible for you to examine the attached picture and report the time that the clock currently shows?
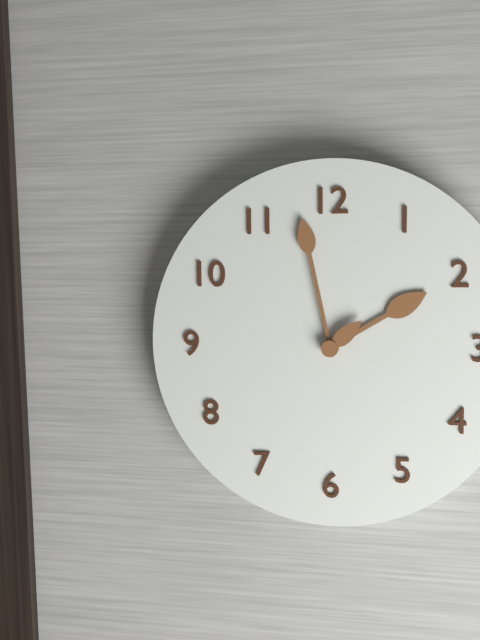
1:58:08
